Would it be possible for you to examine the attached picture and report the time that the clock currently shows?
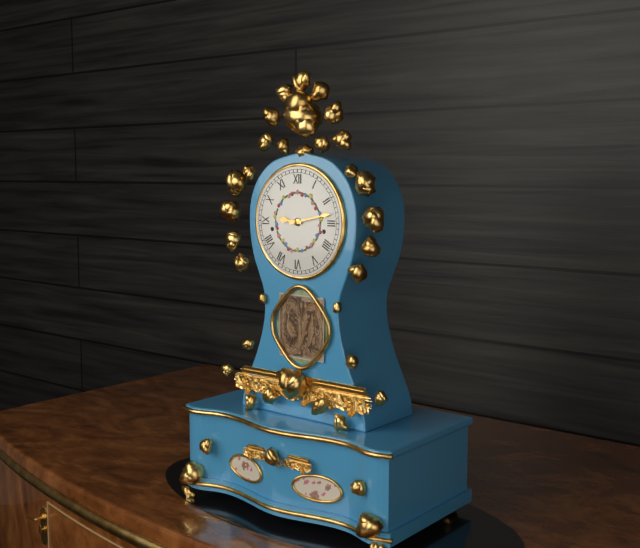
9:13
